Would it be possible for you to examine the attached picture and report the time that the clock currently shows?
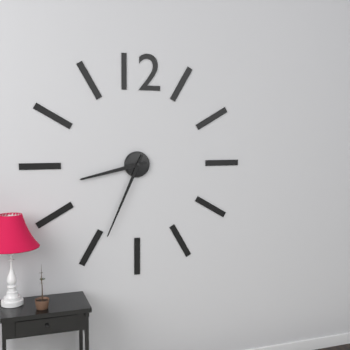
8:34
